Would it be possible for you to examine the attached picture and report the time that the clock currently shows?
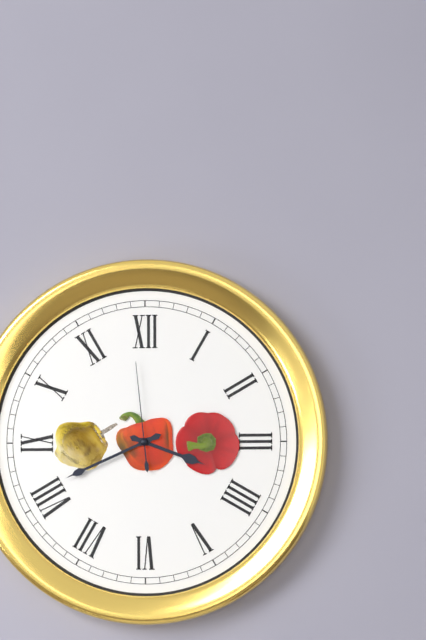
3:41:59
